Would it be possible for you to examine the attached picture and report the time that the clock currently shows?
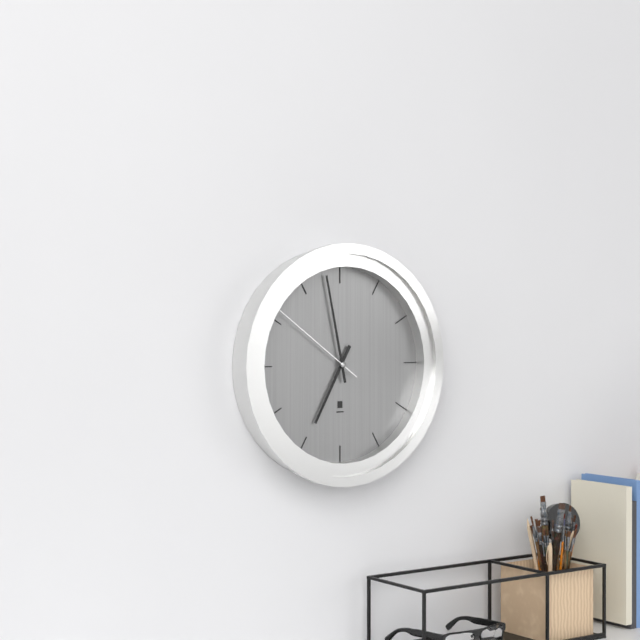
6:58:51
